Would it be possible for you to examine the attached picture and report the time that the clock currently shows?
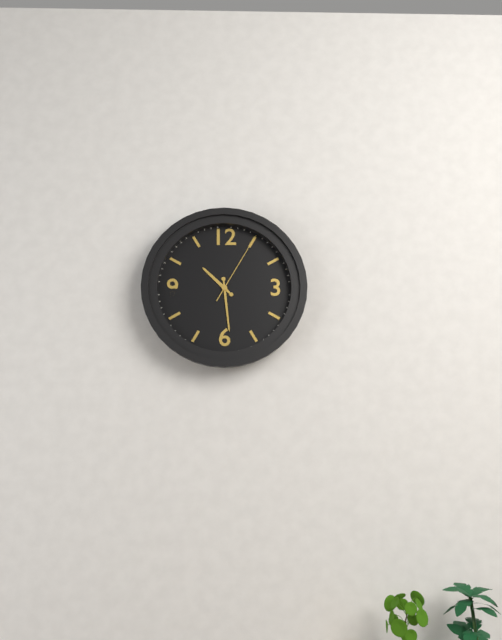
10:29:05
